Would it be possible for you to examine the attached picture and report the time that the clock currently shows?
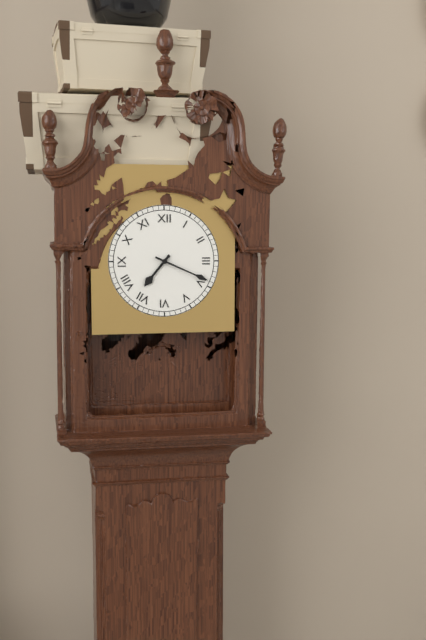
7:19
